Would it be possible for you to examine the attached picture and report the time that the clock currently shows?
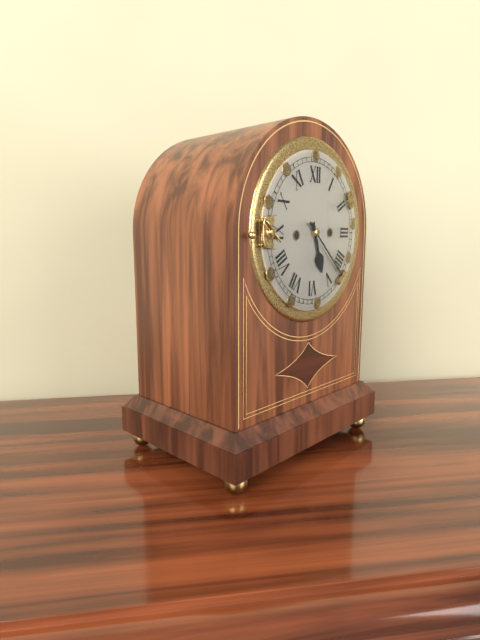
5:22
